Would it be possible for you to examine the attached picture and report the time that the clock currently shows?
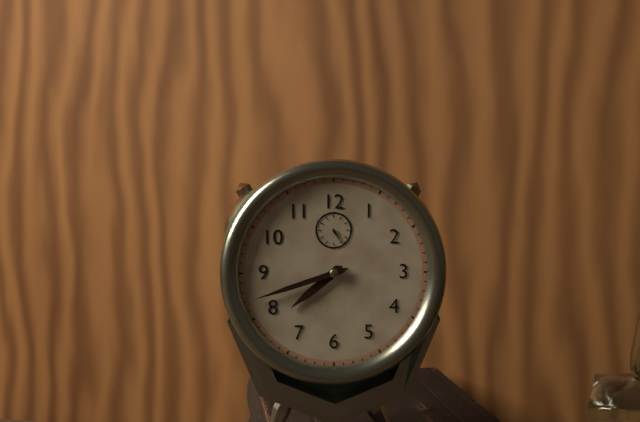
7:42
